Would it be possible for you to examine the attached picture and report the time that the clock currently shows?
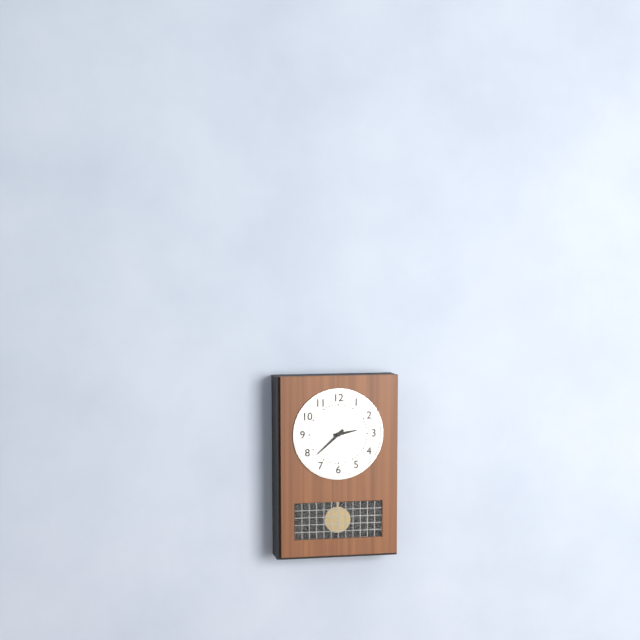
2:38
